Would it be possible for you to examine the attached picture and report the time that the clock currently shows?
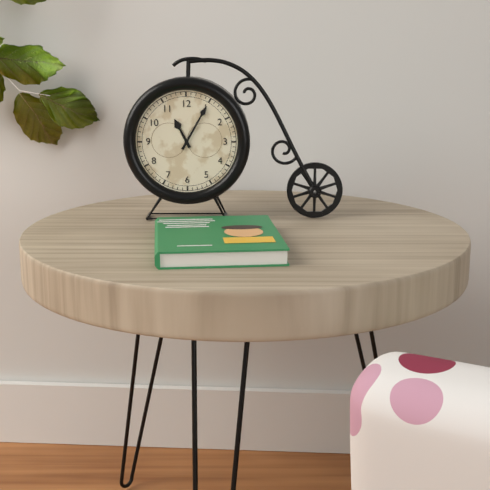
11:05
